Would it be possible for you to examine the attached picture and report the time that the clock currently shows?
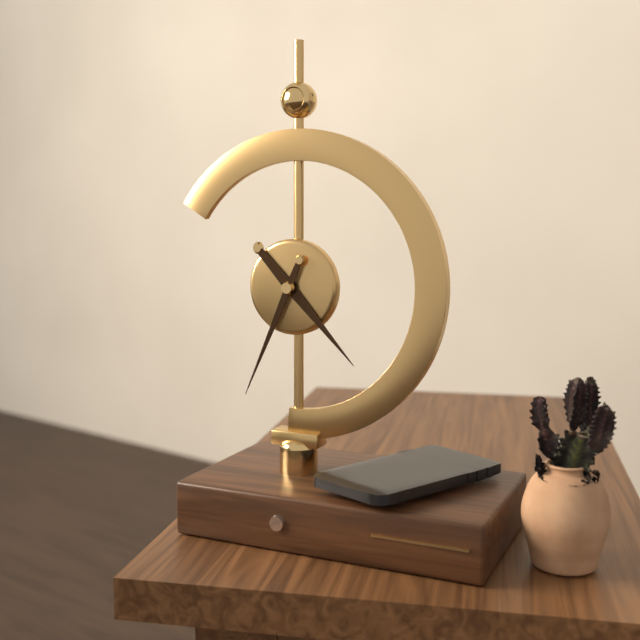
4:34
